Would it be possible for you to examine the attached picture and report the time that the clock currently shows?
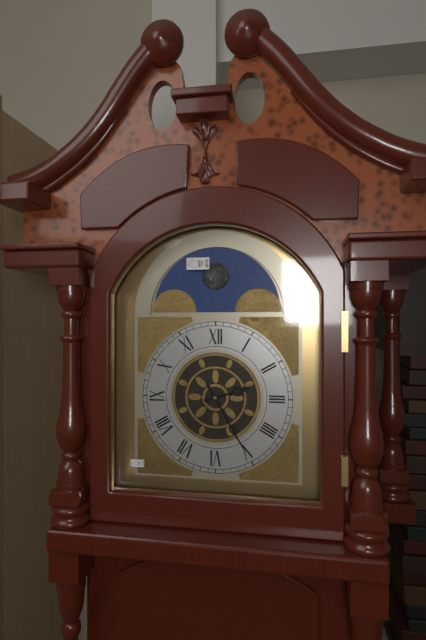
2:25
